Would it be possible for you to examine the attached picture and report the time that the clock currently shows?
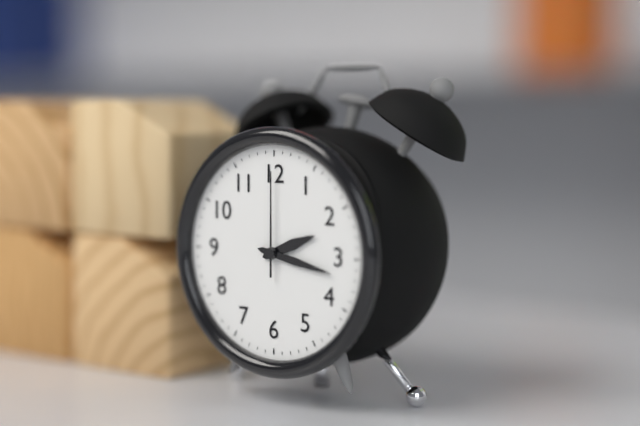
2:17:00
